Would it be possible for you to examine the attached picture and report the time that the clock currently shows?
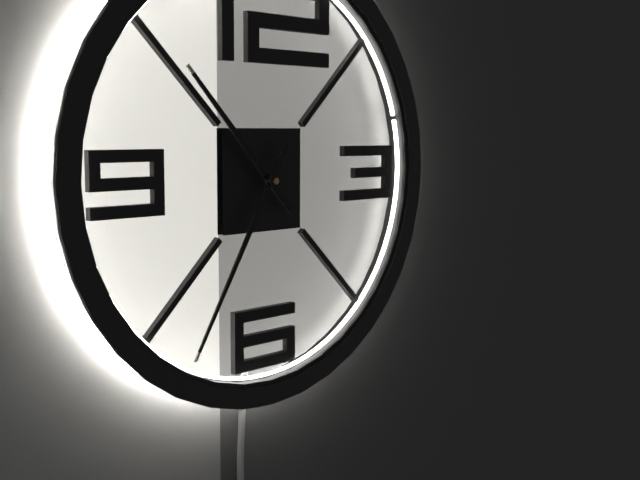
10:35
